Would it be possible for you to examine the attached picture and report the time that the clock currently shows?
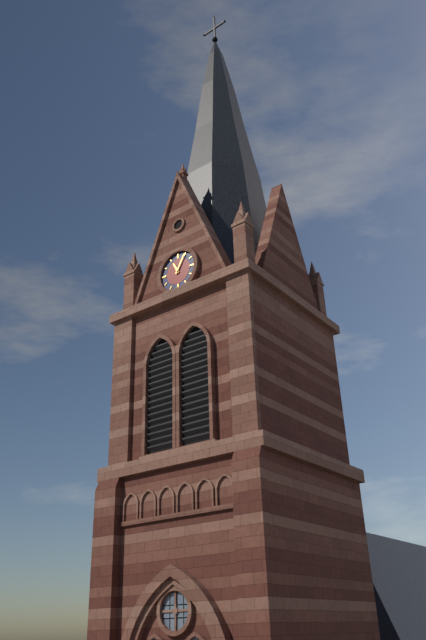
11:05
